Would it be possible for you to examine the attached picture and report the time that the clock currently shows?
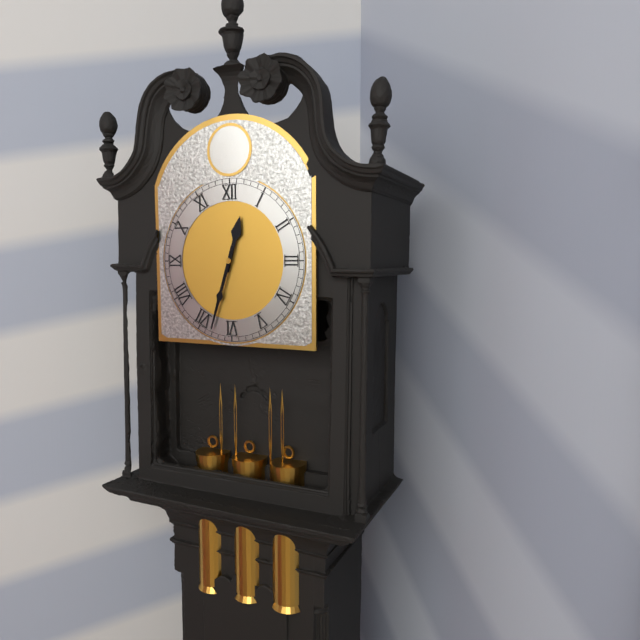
12:33
